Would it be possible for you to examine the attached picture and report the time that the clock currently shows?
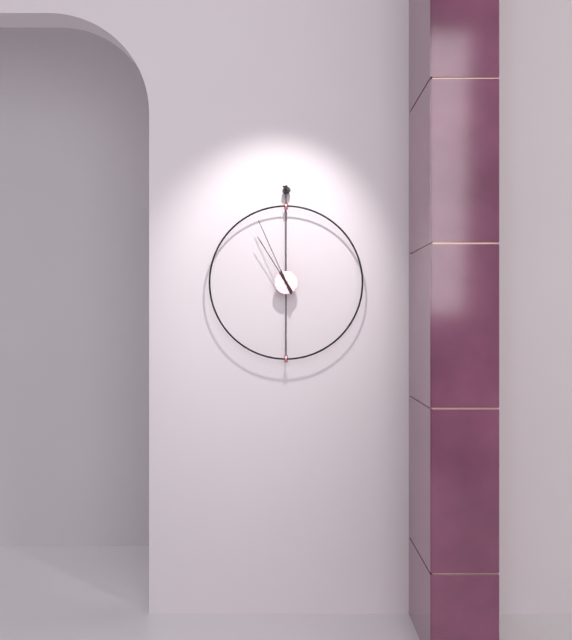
10:56
